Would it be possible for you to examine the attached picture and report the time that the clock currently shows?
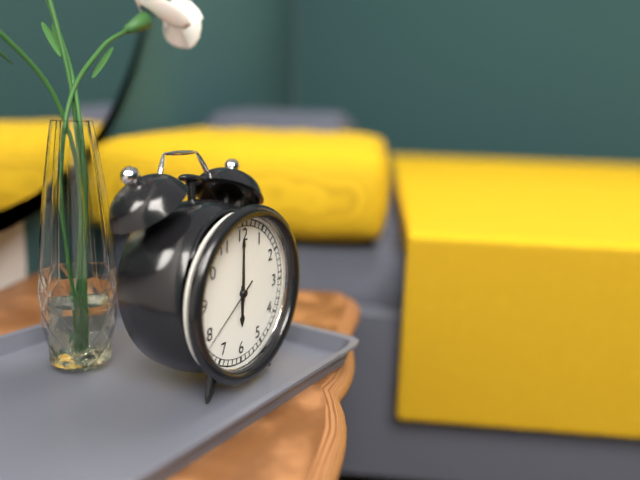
6:00:39
